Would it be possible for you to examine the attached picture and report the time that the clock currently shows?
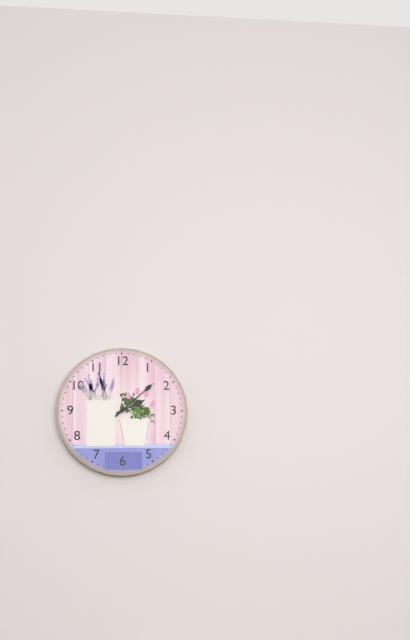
2:08
